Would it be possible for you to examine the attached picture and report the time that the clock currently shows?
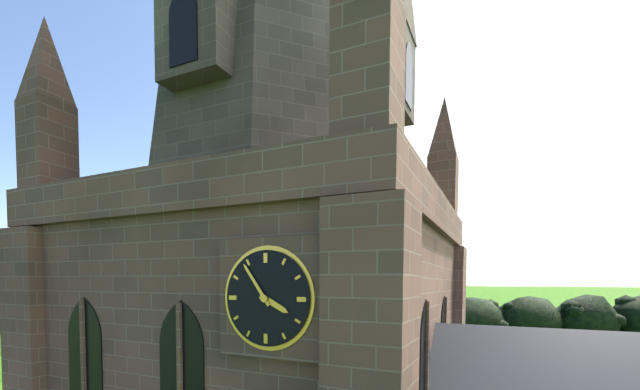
3:54
